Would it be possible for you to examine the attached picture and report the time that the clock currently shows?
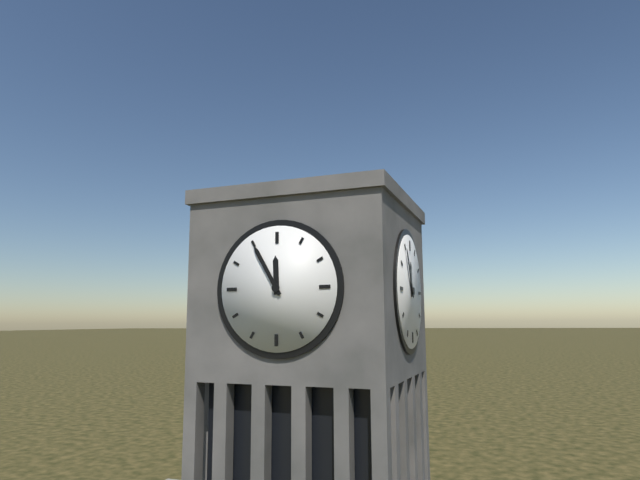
11:55
